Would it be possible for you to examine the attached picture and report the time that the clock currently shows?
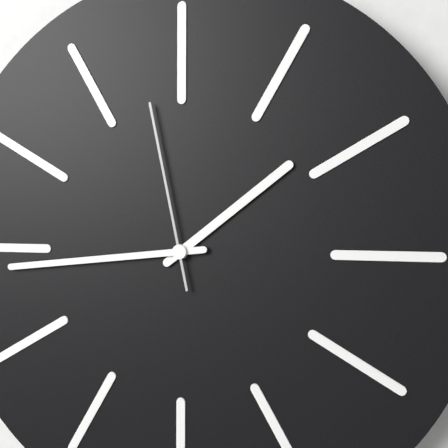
1:44:58
